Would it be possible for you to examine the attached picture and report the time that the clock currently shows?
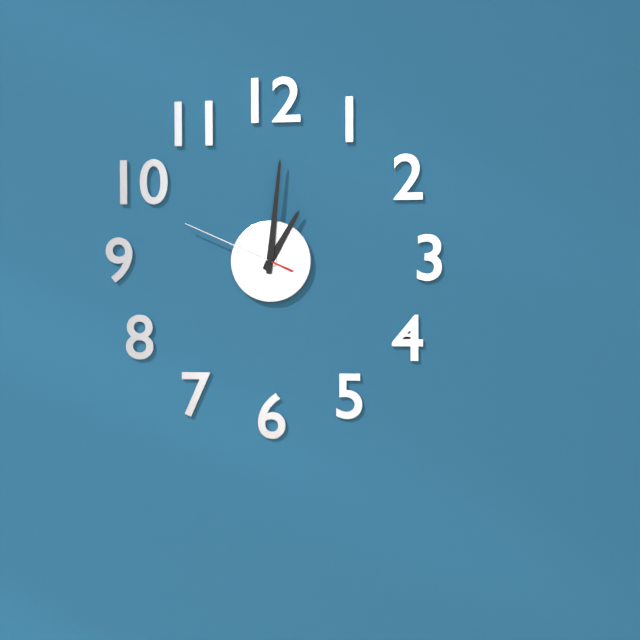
1:01:49
